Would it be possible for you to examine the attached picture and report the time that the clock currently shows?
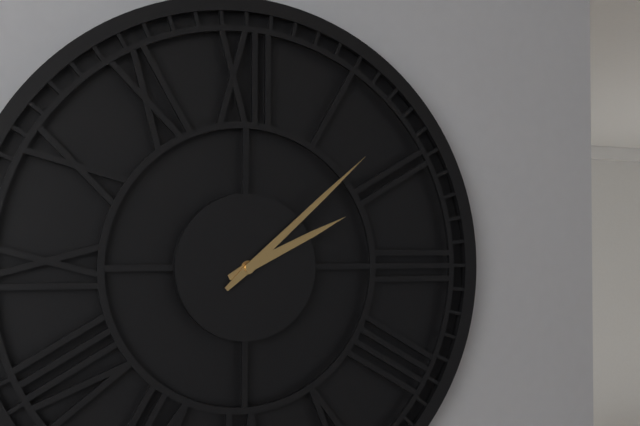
2:08
